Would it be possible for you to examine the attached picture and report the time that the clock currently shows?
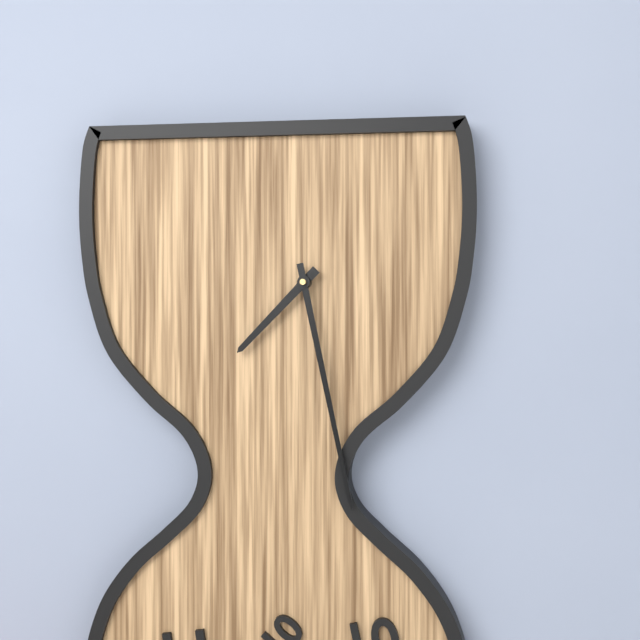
7:28
